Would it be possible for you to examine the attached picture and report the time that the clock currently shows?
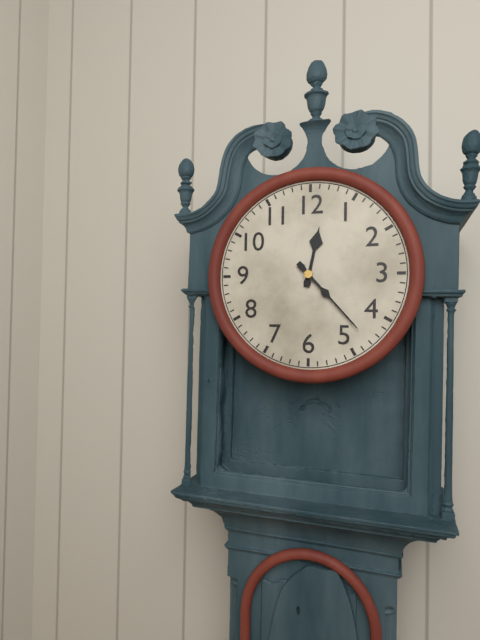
12:23
